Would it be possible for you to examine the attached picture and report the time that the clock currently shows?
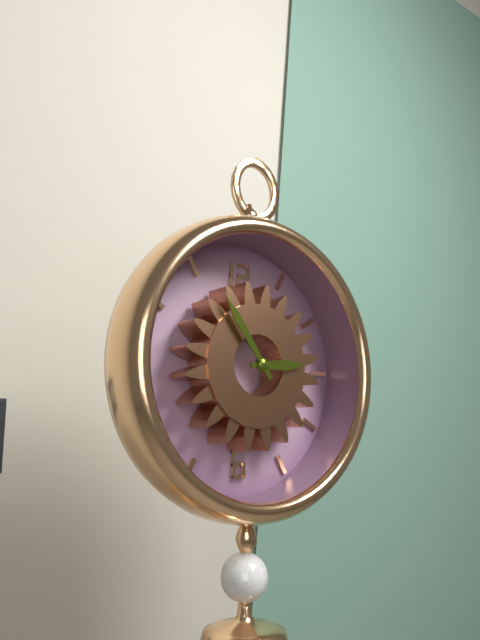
2:54
